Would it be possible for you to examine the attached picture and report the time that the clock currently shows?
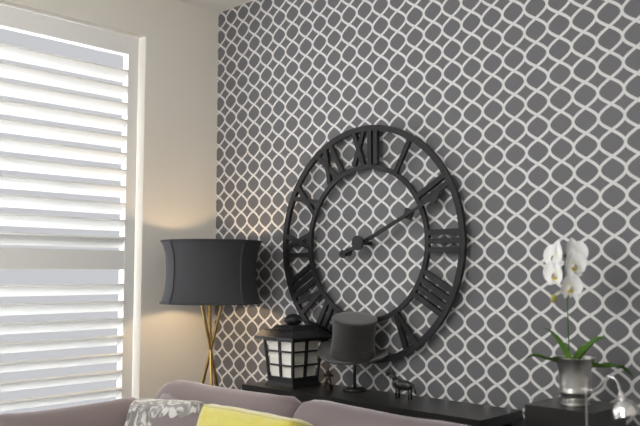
2:11
